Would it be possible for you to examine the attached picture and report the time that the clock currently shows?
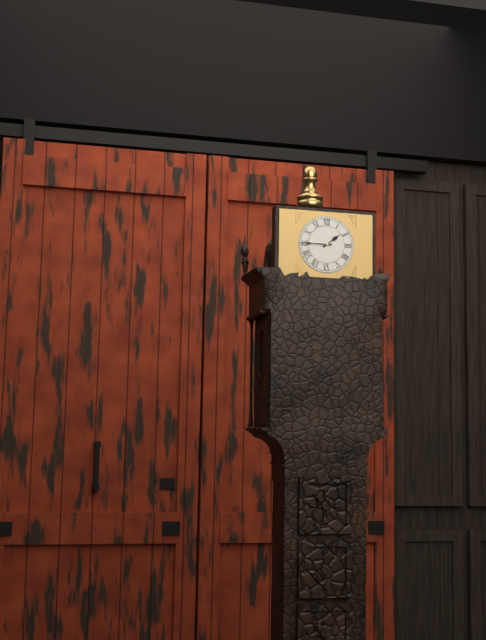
1:45
